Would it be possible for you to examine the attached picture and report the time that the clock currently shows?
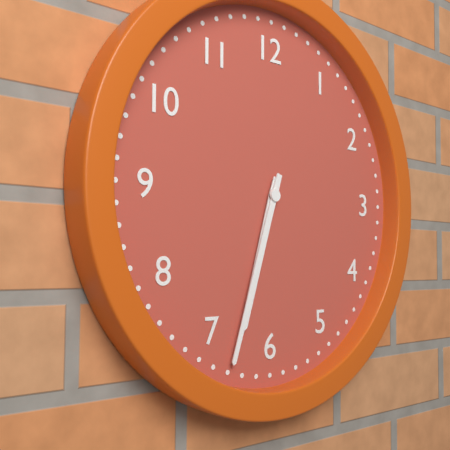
6:33
